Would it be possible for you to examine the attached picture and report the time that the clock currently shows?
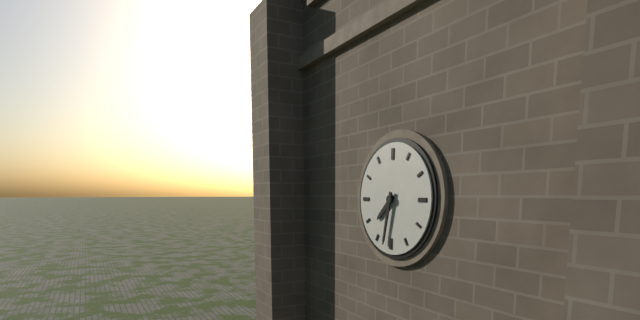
7:32
